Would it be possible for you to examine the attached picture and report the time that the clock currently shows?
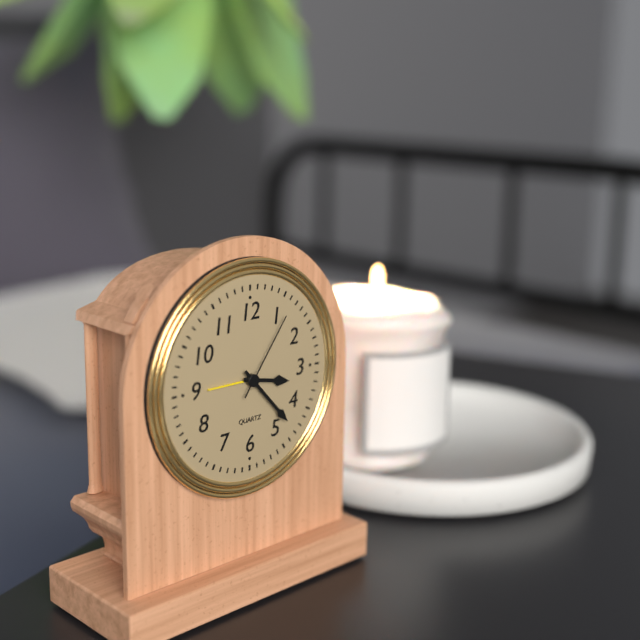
3:23:06
